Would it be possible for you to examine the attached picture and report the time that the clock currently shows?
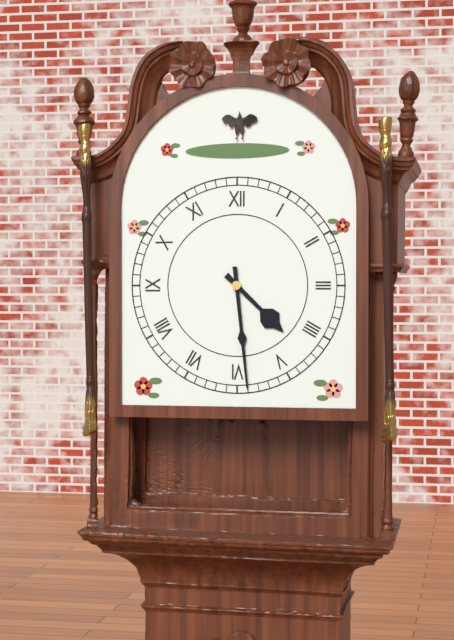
4:29
